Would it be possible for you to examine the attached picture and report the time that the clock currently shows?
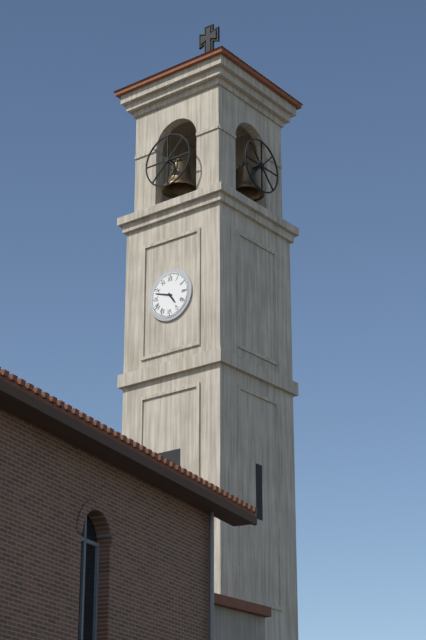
4:48
